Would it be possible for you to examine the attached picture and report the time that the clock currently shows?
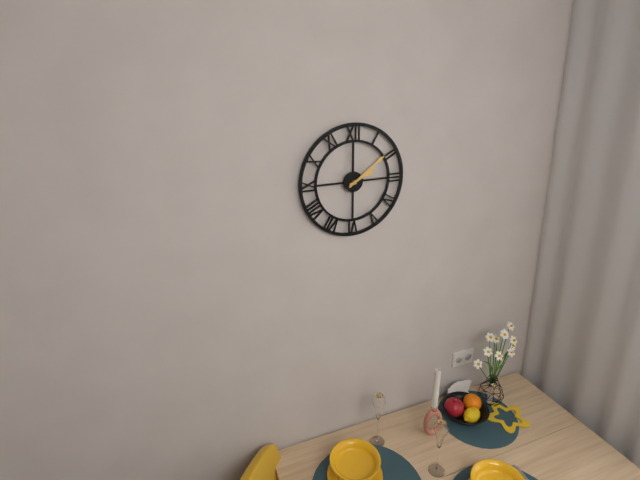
2:09
